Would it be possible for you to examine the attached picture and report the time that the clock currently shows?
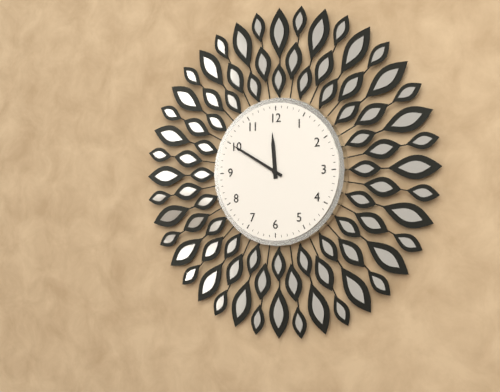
11:50
